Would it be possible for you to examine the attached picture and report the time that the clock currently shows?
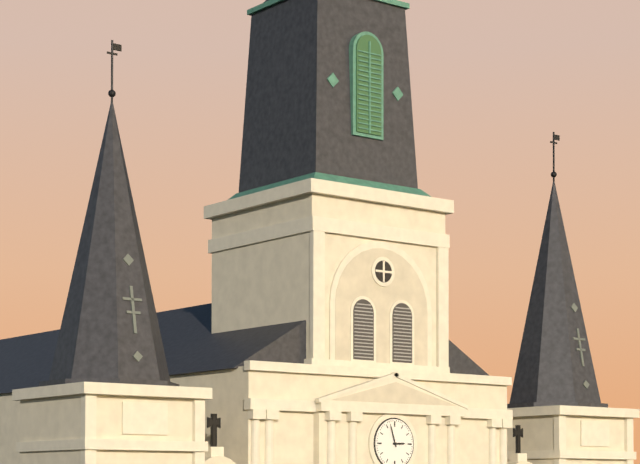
2:57
